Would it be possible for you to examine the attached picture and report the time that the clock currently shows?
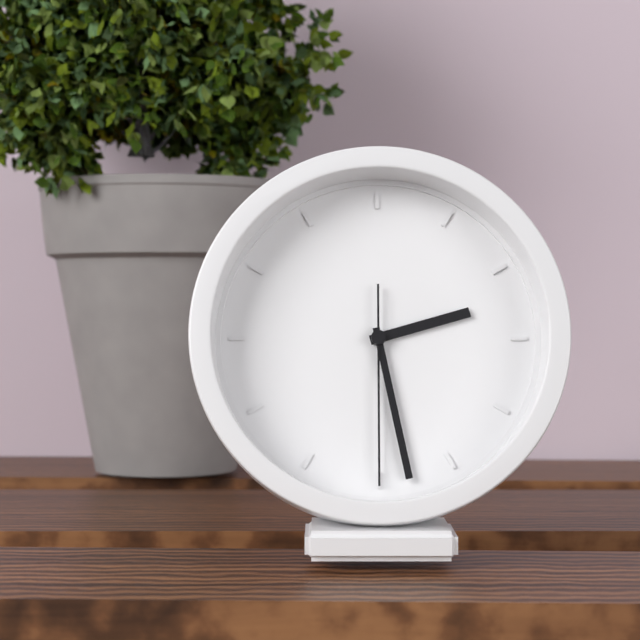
2:28:30
